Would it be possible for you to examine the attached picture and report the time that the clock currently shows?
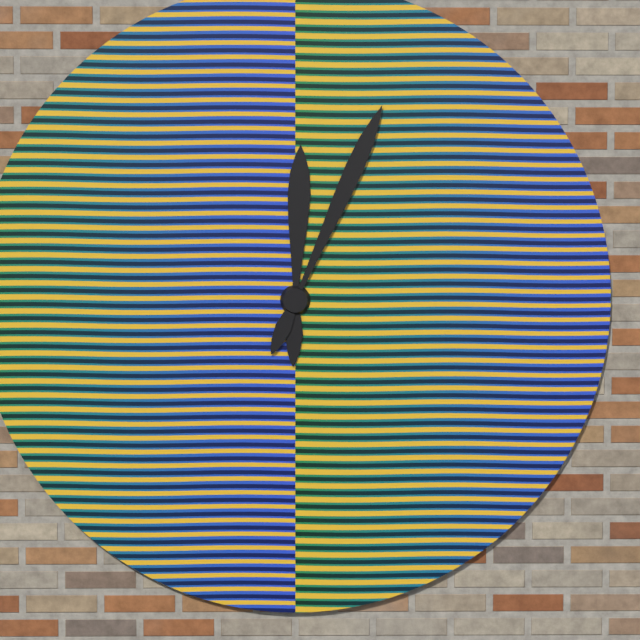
12:04
